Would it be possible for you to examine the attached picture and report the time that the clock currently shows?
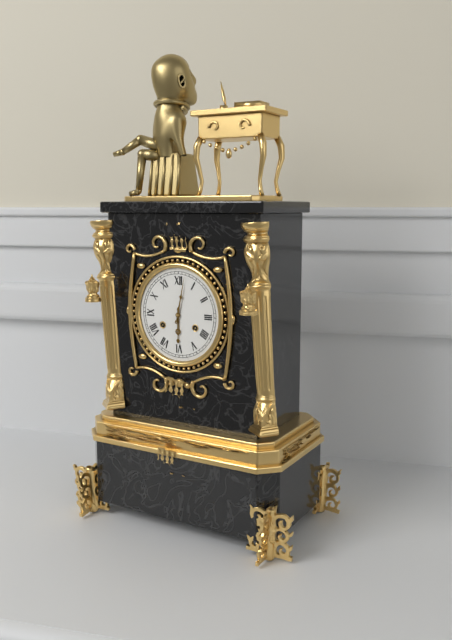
6:02
